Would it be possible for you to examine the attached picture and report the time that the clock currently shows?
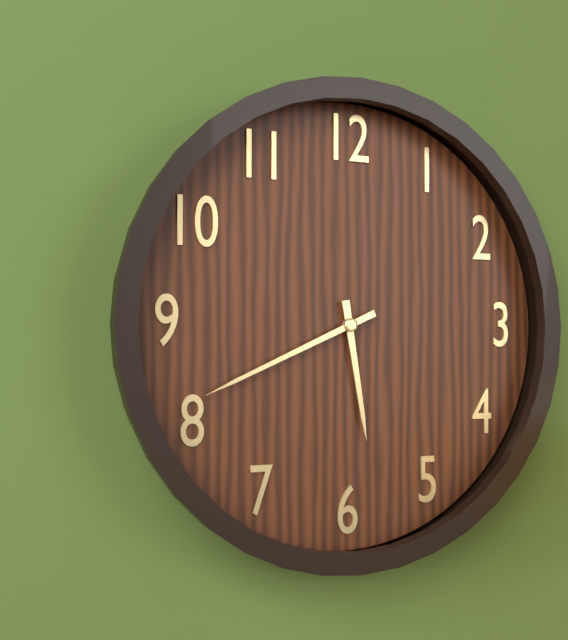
5:41
